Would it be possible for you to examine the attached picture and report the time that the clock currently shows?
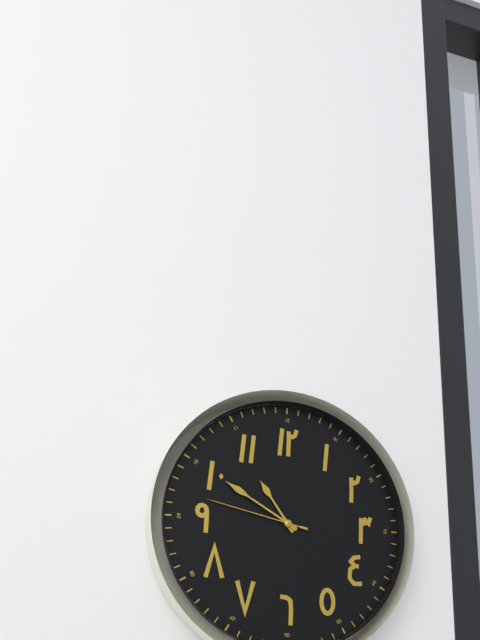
10:50:47
